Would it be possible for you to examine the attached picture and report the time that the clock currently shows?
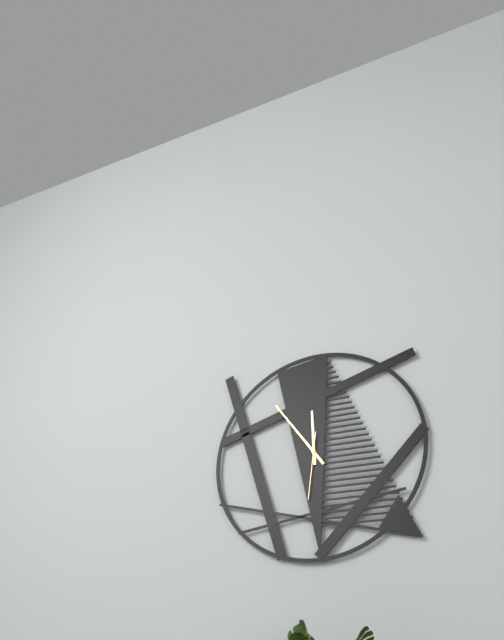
11:54:31
